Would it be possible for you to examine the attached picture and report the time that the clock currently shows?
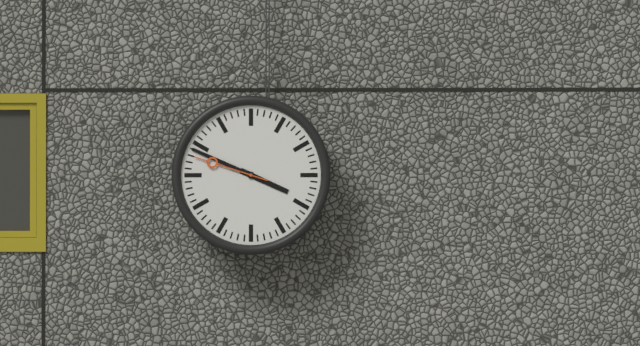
3:49:48
